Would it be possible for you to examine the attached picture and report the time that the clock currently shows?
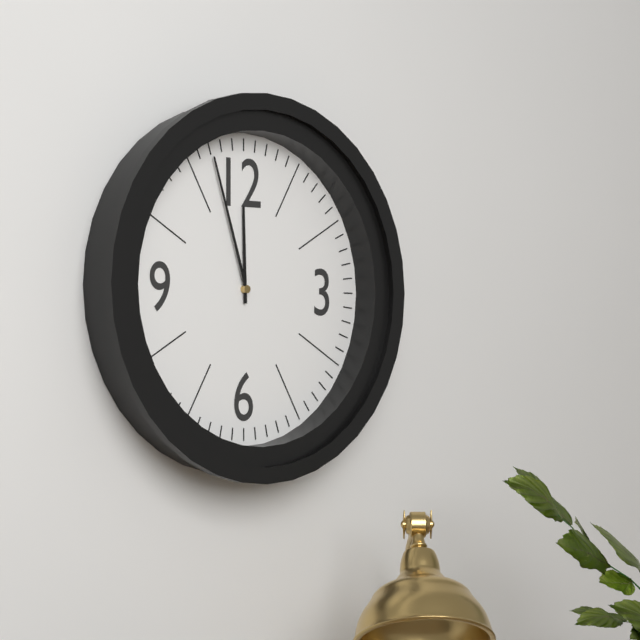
11:57
